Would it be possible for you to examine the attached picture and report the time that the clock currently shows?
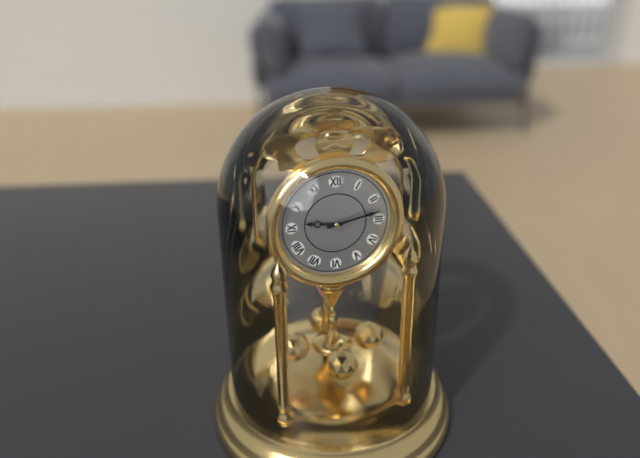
9:13
